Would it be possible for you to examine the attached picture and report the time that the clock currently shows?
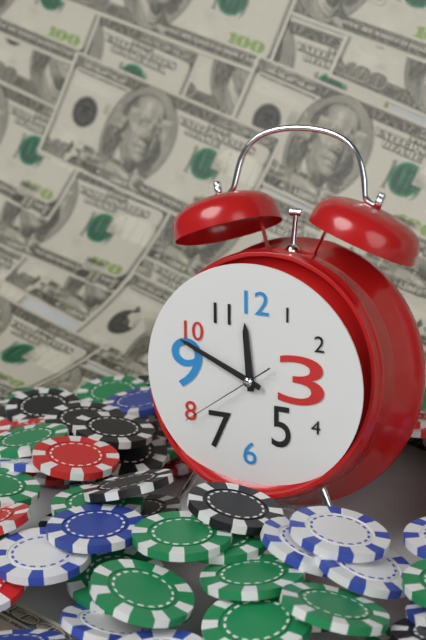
11:49:39
